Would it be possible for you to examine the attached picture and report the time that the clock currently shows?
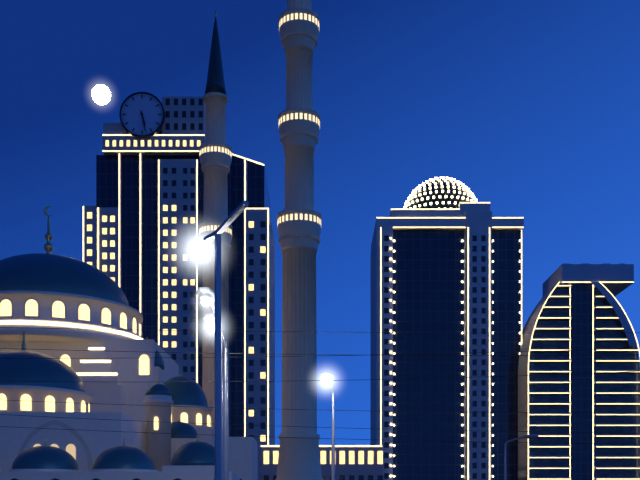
5:28
